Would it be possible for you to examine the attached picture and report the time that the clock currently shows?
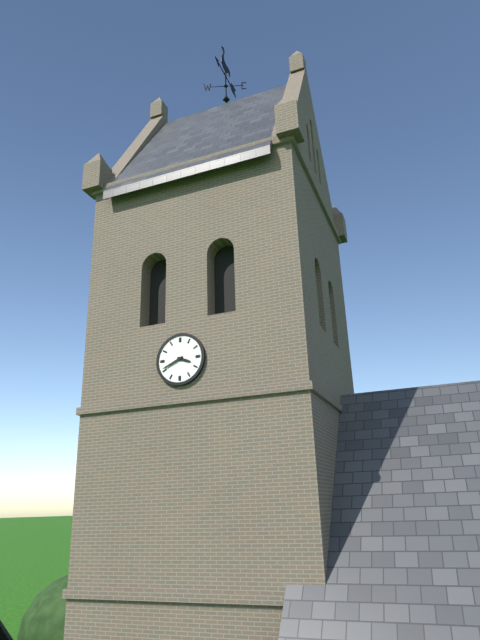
3:41
